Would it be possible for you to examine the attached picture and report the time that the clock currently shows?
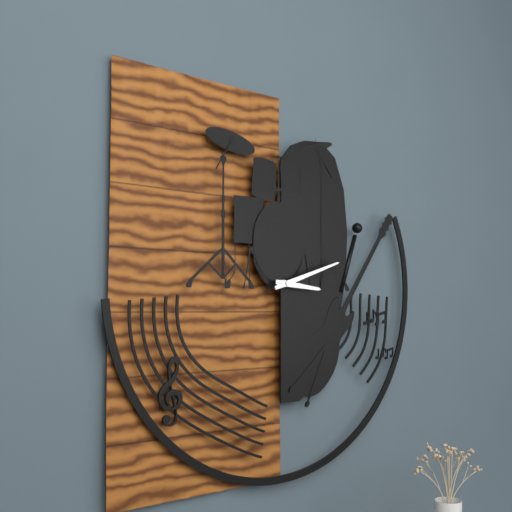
3:12
